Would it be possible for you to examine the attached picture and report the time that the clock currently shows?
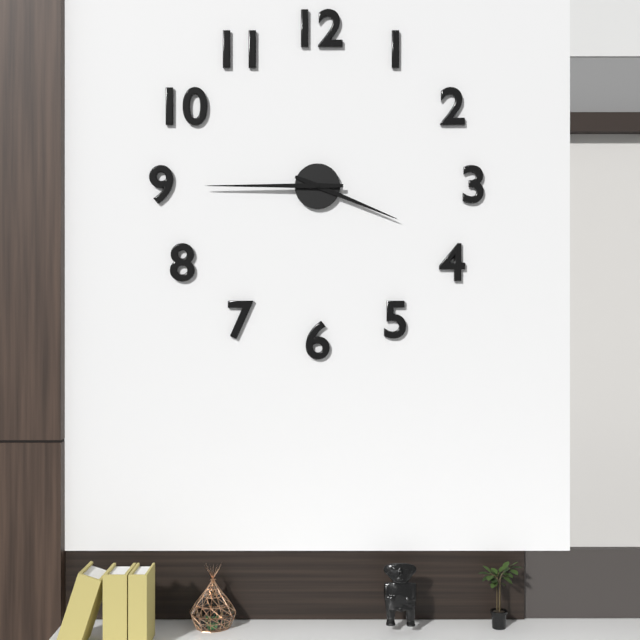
3:45
